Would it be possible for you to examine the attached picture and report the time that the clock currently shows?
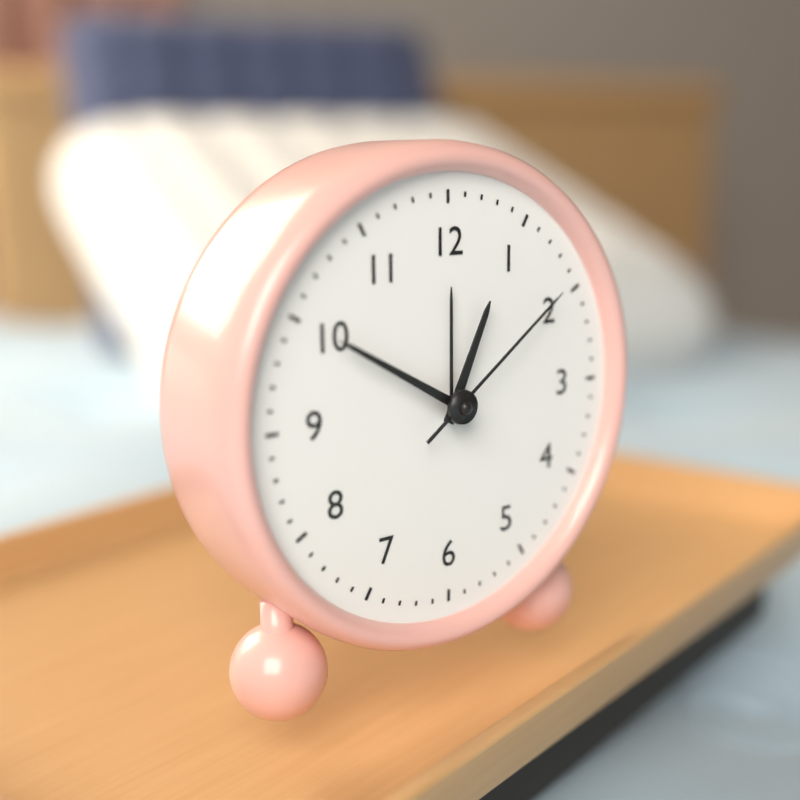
12:50:09
